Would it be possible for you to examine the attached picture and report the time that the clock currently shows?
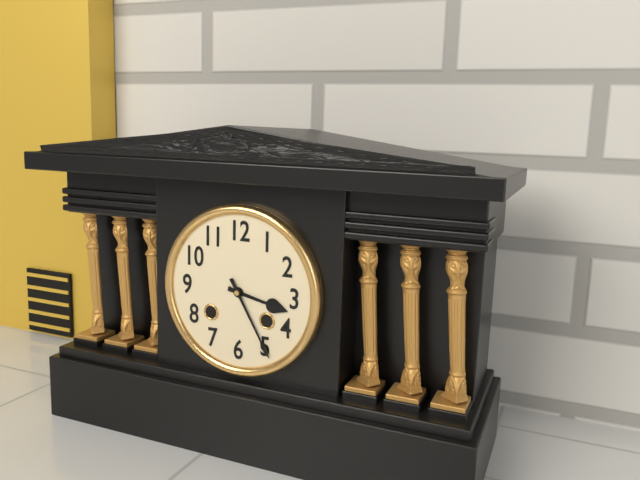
3:25
